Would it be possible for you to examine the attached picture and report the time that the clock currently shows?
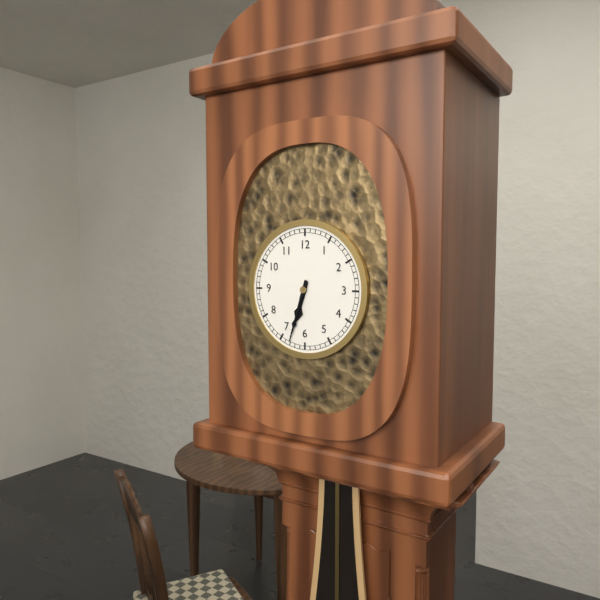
6:33
